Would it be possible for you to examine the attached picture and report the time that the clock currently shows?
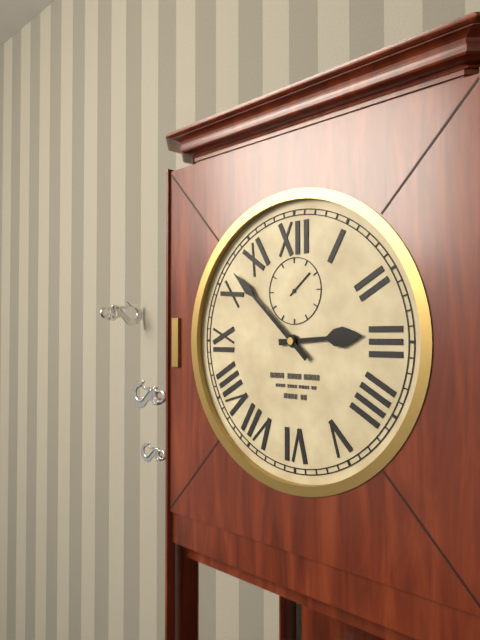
2:52
